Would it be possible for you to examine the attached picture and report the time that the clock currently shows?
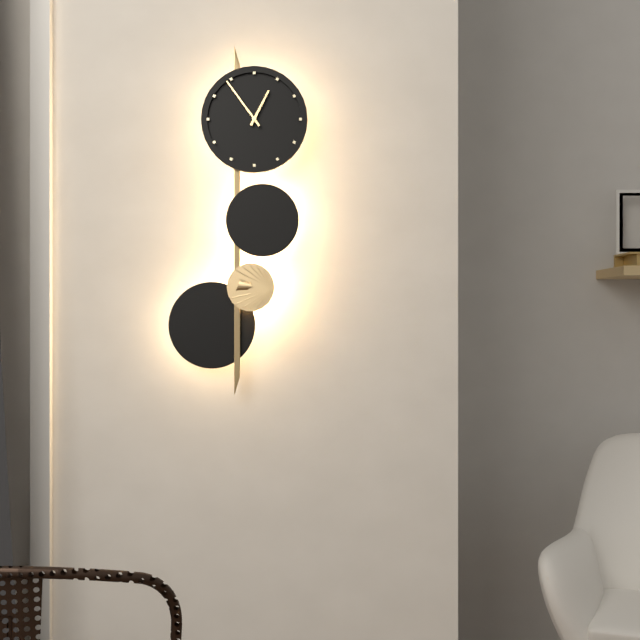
12:54
